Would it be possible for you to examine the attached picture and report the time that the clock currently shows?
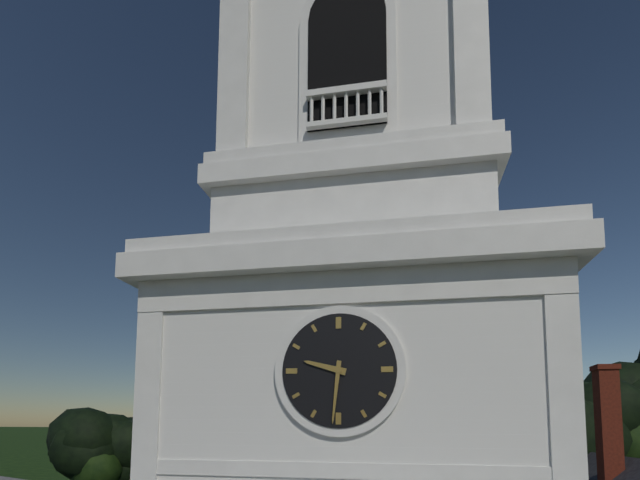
9:31
